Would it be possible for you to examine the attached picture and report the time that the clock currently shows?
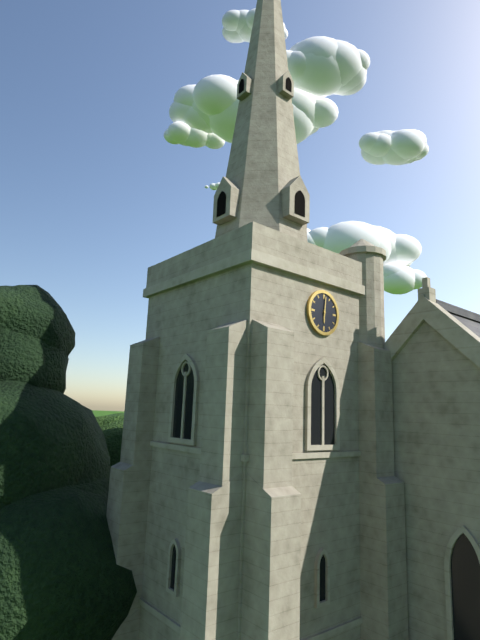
6:01
